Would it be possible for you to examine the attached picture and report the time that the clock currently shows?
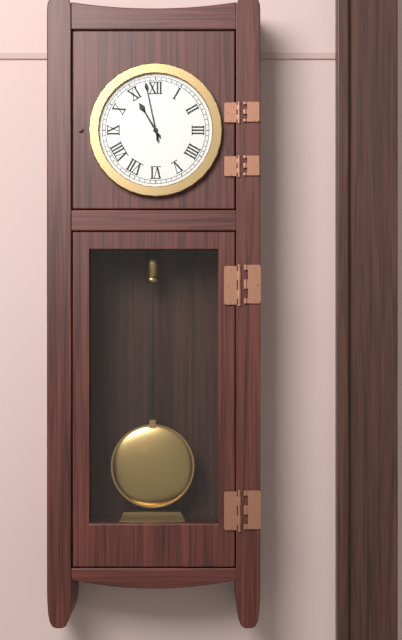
10:58
